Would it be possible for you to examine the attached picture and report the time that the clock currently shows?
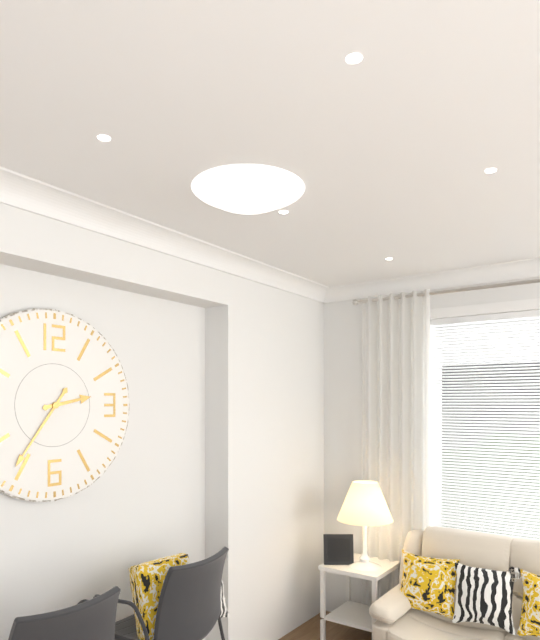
2:36
